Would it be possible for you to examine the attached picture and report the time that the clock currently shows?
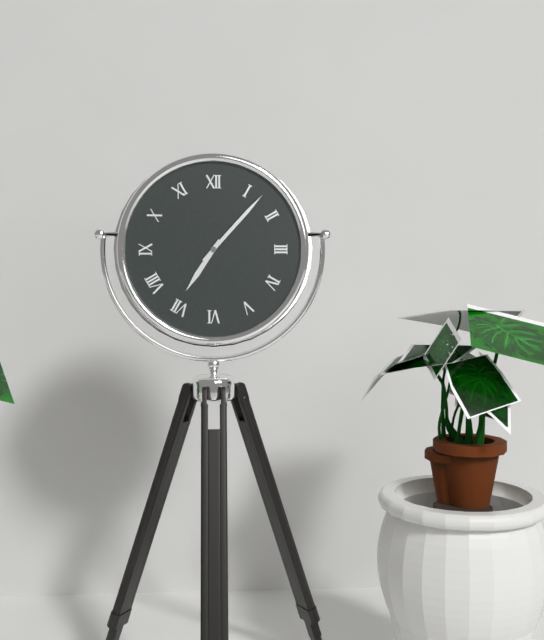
7:07
